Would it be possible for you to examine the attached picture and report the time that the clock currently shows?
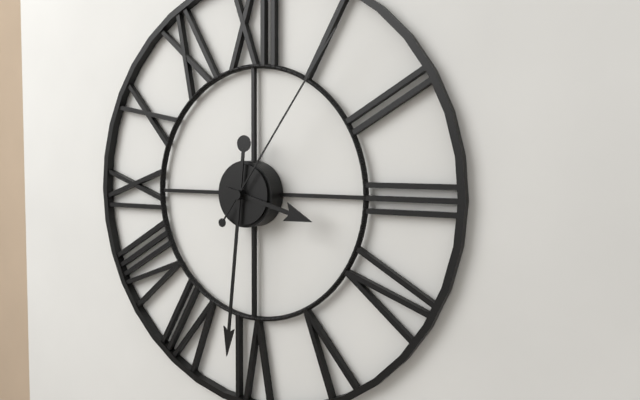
3:31:06
